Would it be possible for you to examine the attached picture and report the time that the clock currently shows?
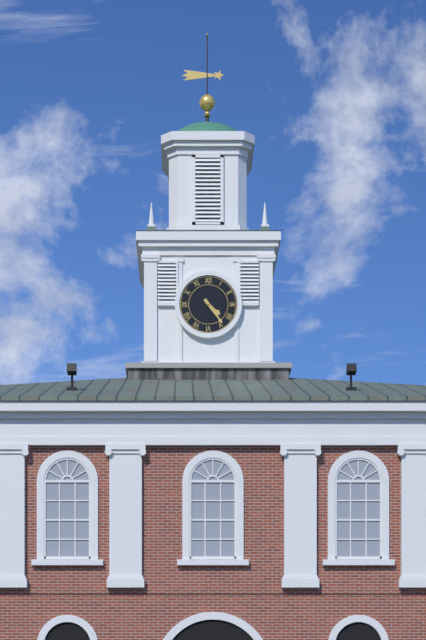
4:24
